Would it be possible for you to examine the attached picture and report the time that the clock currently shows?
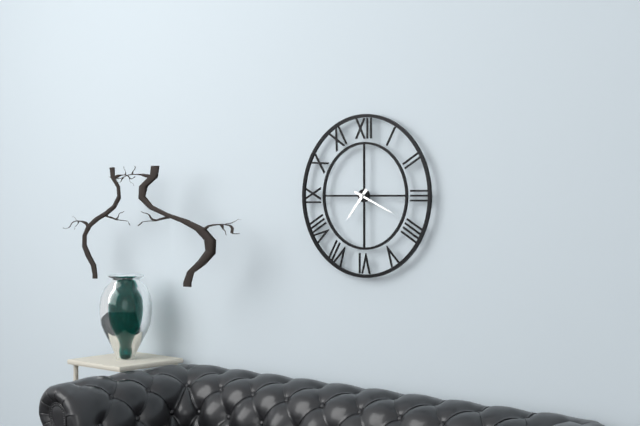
7:19
